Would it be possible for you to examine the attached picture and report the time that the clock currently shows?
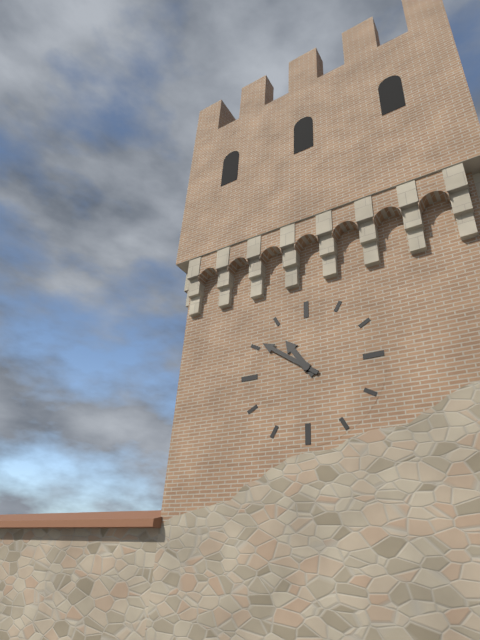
10:51
